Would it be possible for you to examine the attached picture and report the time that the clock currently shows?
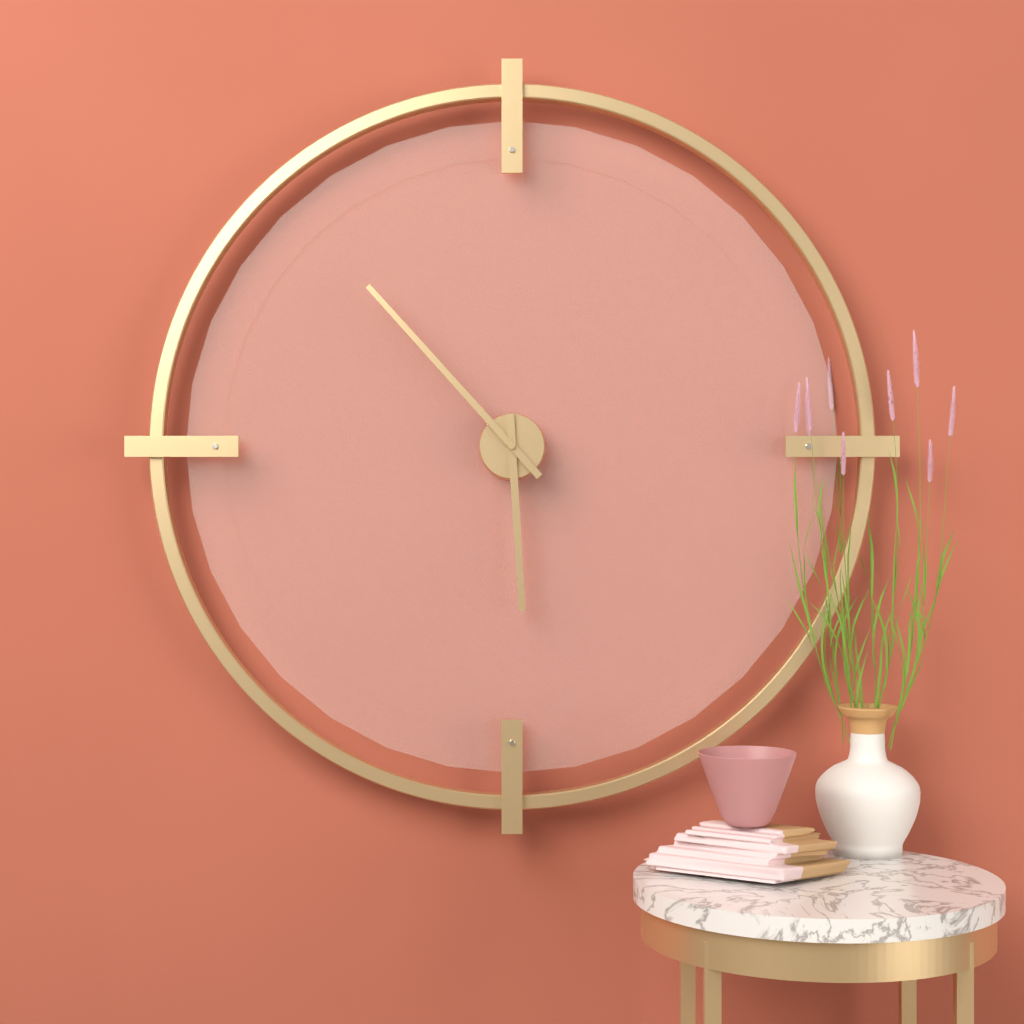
5:53
